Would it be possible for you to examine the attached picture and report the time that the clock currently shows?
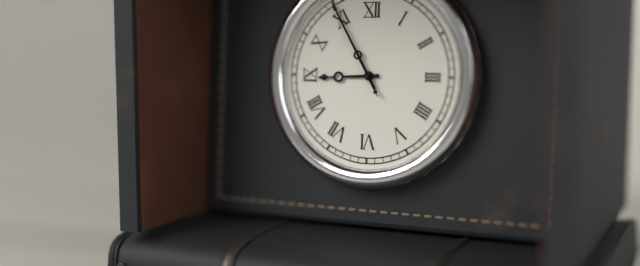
8:55:55
